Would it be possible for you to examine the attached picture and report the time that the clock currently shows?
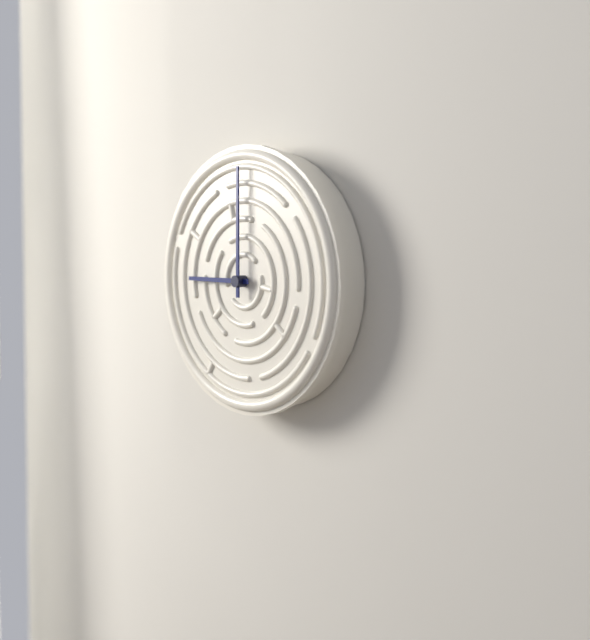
9:00
